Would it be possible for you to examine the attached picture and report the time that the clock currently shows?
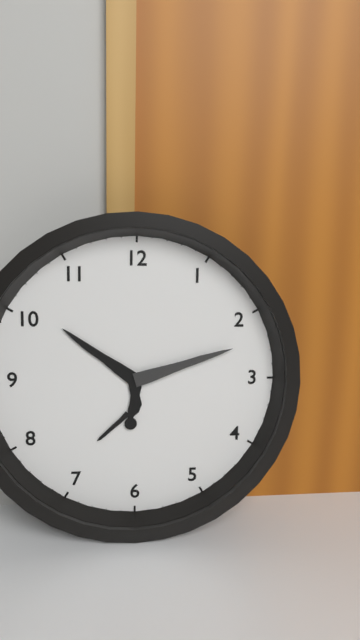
10:12
